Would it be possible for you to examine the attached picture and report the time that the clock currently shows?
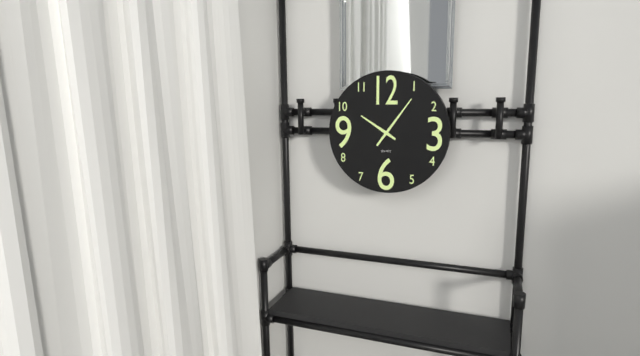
10:06
